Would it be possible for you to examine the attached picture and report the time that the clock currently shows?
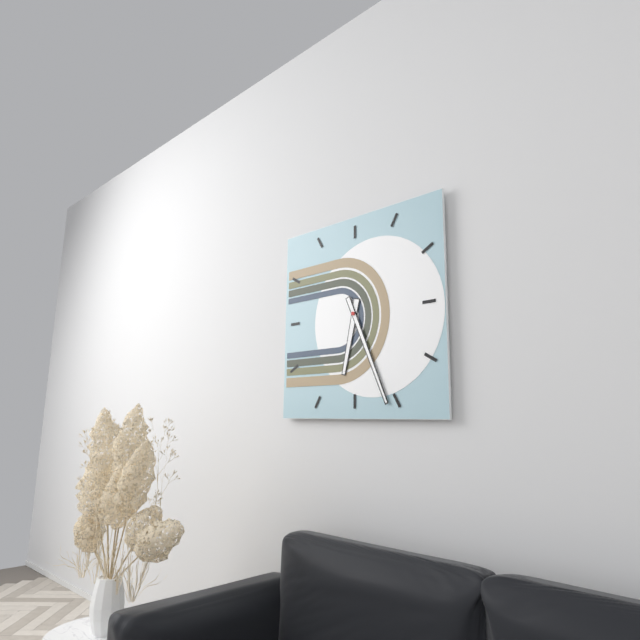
6:26
